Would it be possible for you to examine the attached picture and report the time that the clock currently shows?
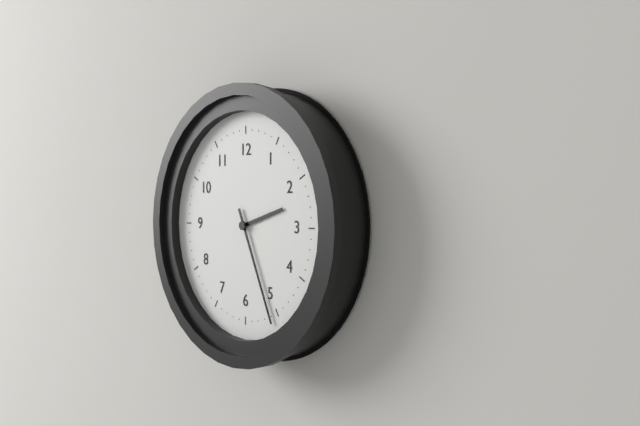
2:26
